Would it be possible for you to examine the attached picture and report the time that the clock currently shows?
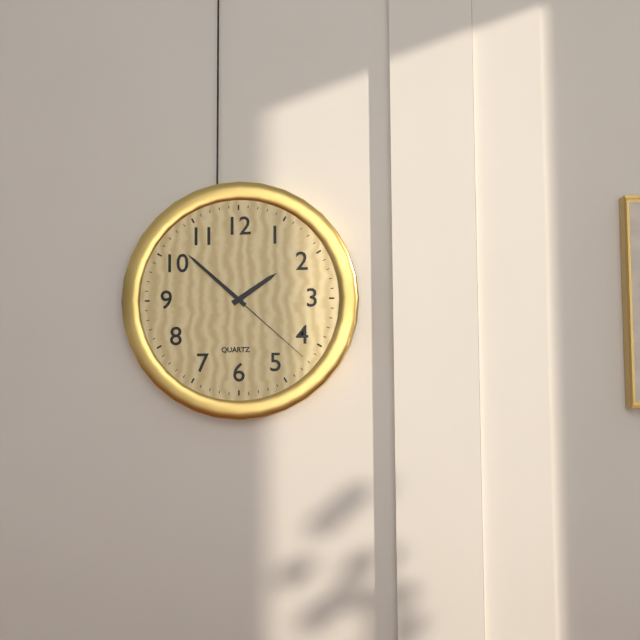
1:52:22
